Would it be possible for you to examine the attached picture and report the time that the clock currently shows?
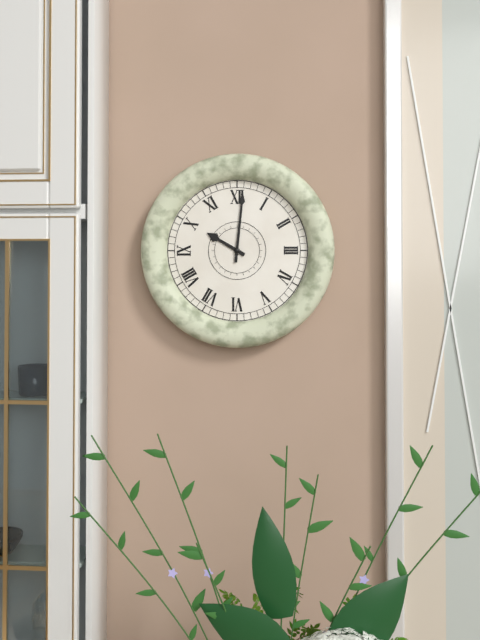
10:01
